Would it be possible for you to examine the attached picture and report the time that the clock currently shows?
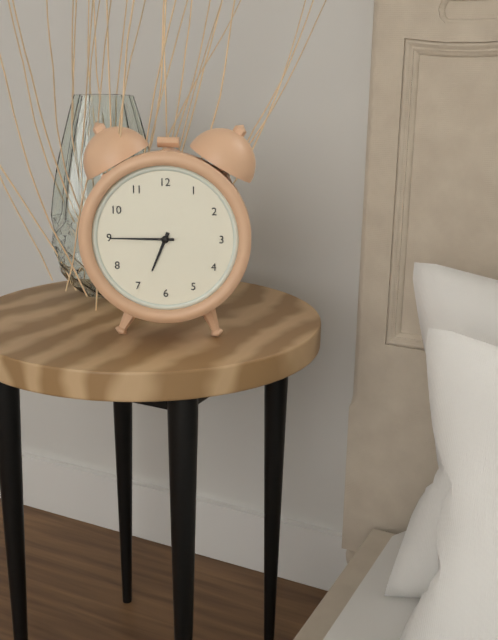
6:45
